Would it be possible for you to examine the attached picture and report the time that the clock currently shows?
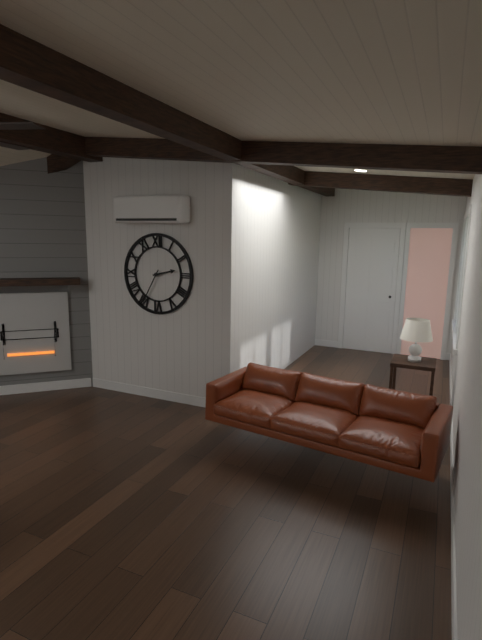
2:35
